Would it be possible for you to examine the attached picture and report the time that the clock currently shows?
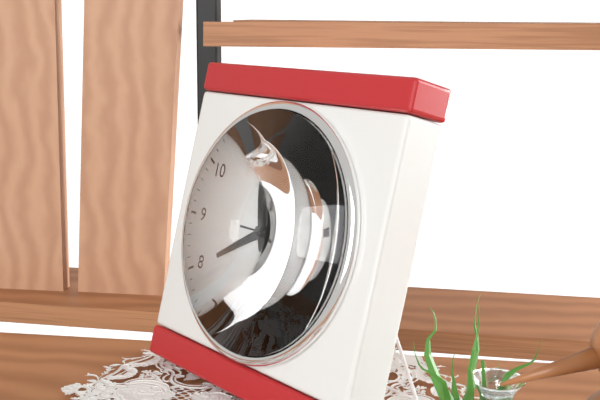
7:57:15
